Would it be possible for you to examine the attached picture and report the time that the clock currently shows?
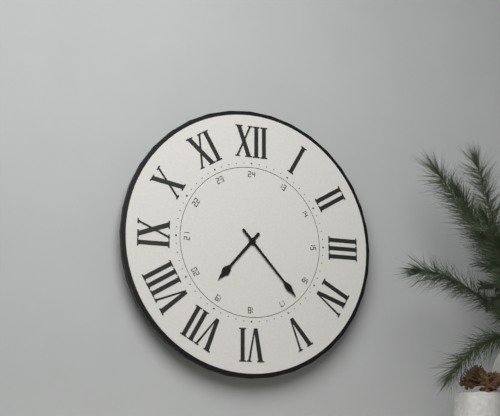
7:23
